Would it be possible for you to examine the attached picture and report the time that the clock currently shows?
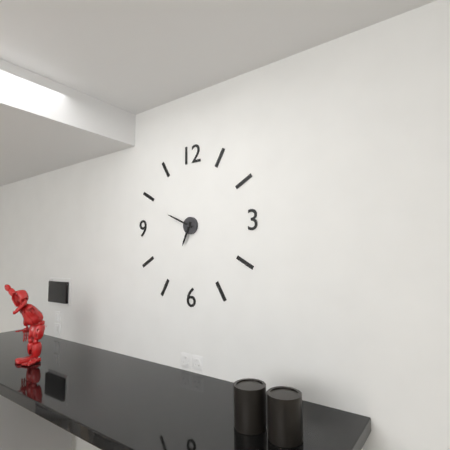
6:49
